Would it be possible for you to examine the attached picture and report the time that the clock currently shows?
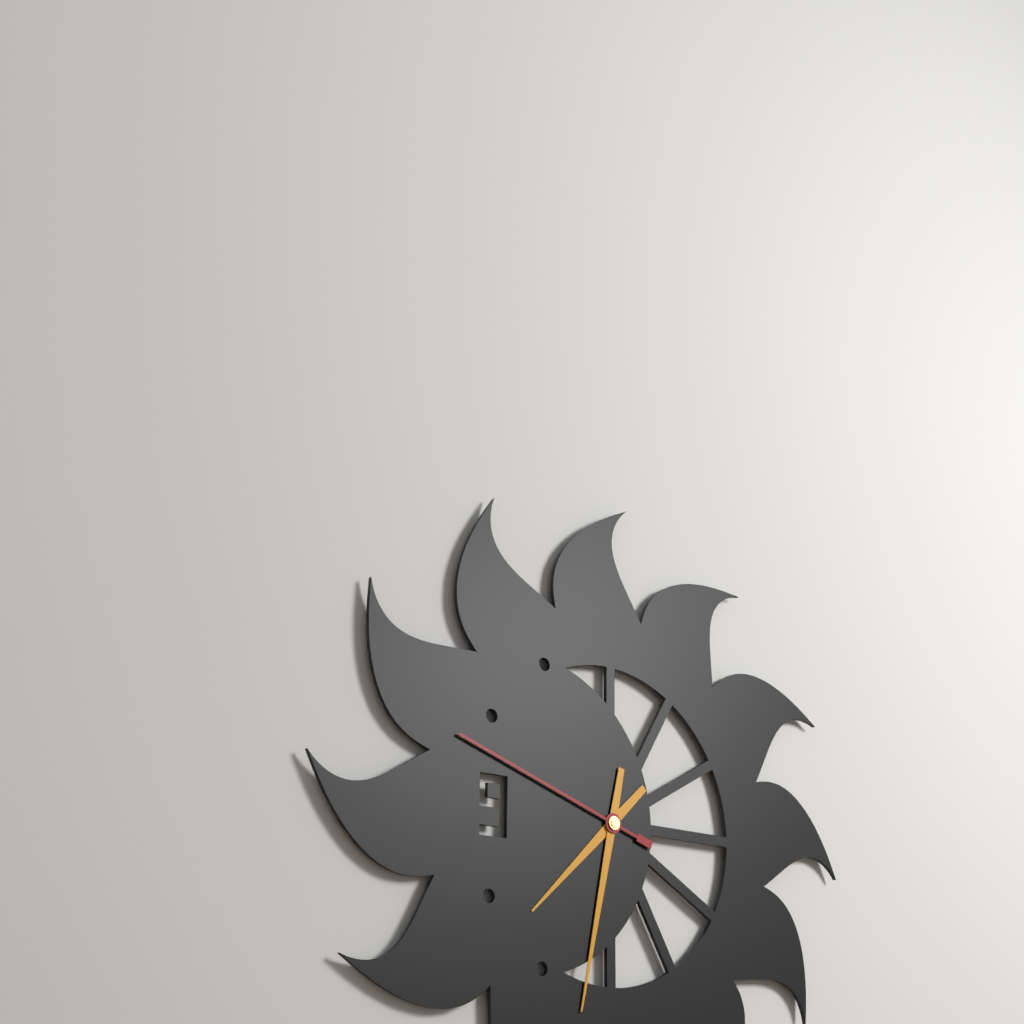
7:32:48
